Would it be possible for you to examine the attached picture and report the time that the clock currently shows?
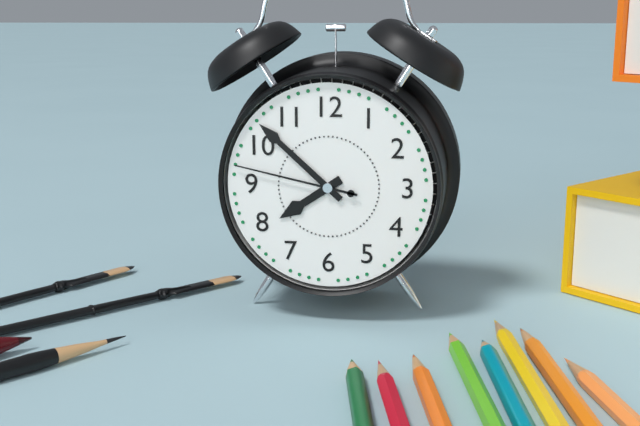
7:52:47
